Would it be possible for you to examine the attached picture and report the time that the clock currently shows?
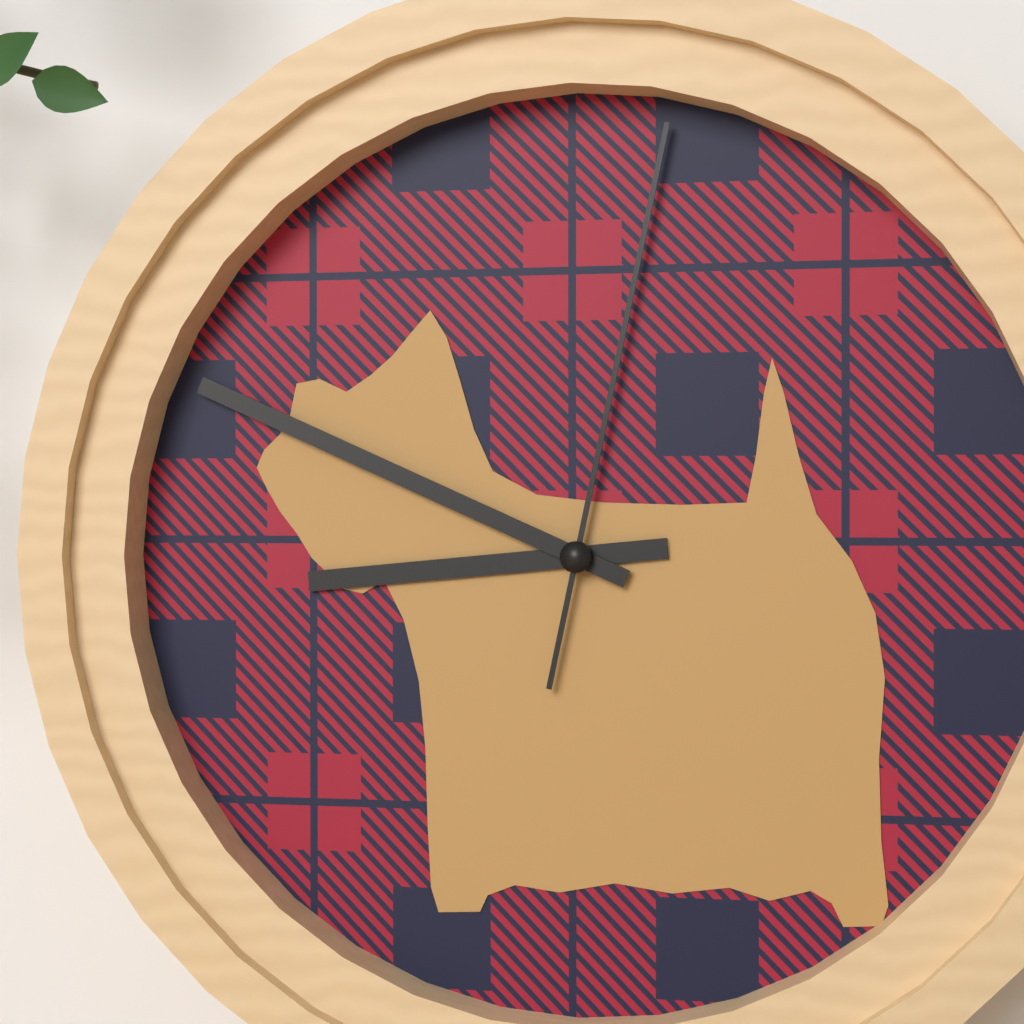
8:49:02
